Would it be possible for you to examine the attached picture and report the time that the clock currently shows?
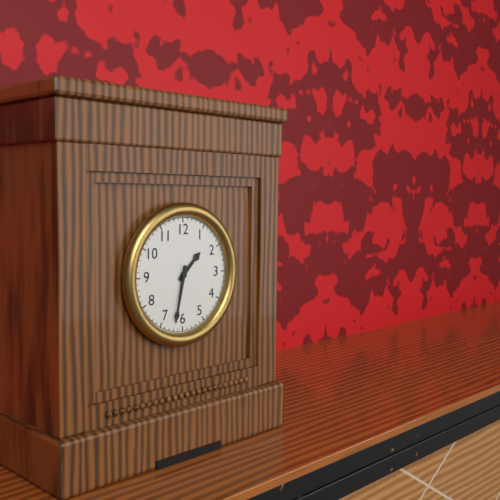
1:32
